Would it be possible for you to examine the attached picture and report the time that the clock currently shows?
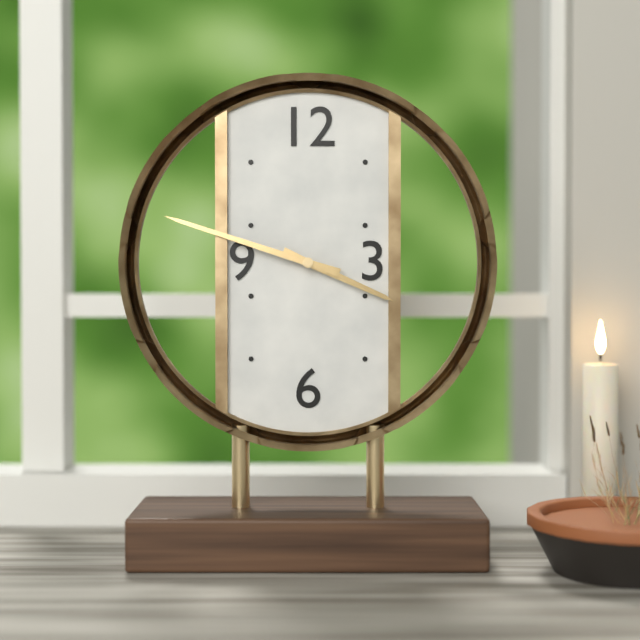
3:48
